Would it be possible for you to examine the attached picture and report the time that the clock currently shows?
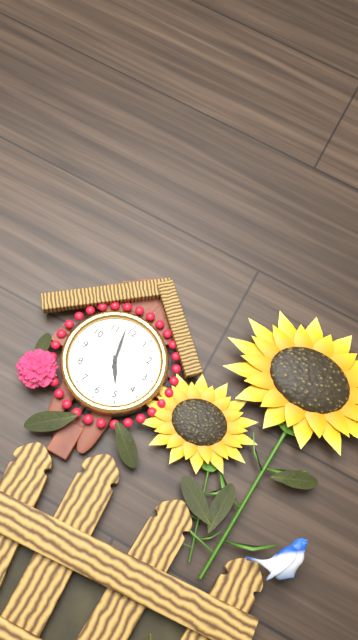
4:58
